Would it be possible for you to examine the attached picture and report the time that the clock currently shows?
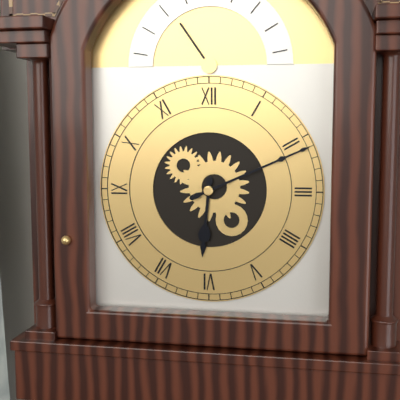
6:11
